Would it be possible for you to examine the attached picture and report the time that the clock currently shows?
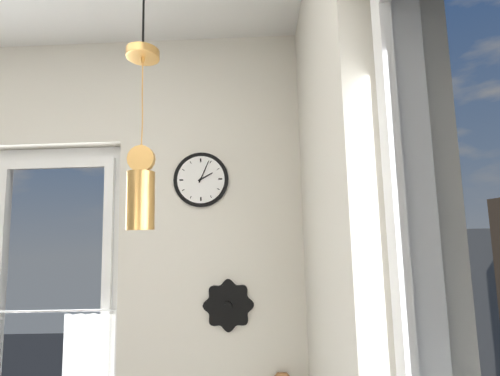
2:04
